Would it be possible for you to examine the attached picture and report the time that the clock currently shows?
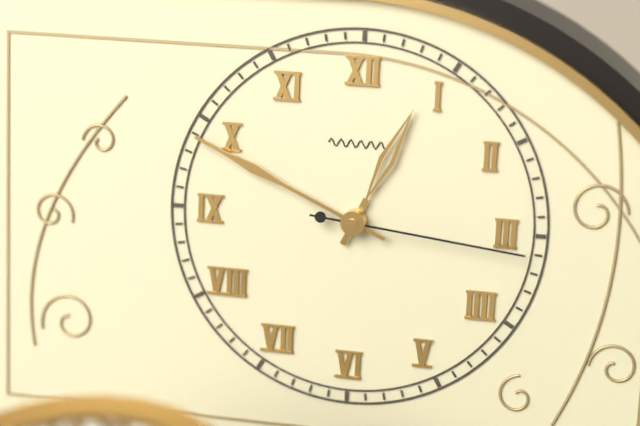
12:49:16
